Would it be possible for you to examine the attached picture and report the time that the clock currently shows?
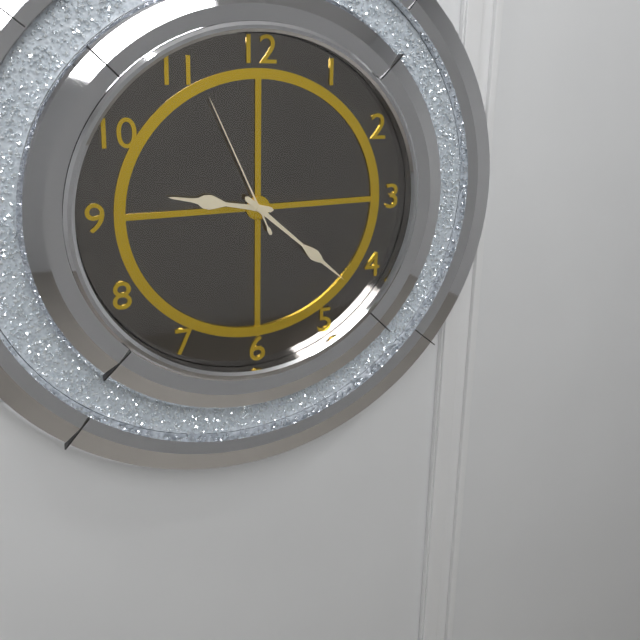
9:22:56
